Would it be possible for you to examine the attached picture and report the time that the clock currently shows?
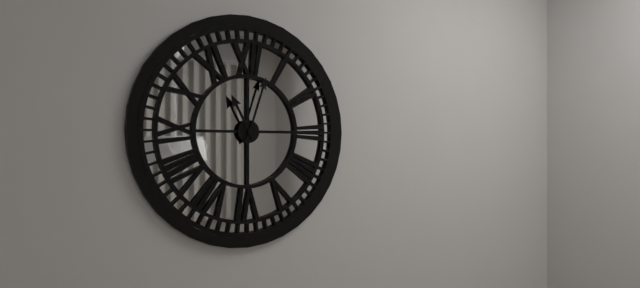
11:03
